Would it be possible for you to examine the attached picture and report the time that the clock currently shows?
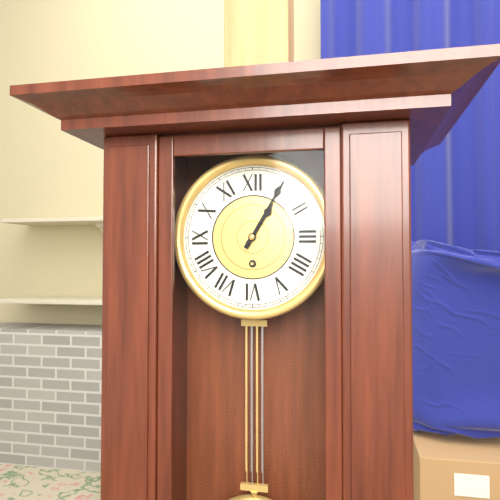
1:05
